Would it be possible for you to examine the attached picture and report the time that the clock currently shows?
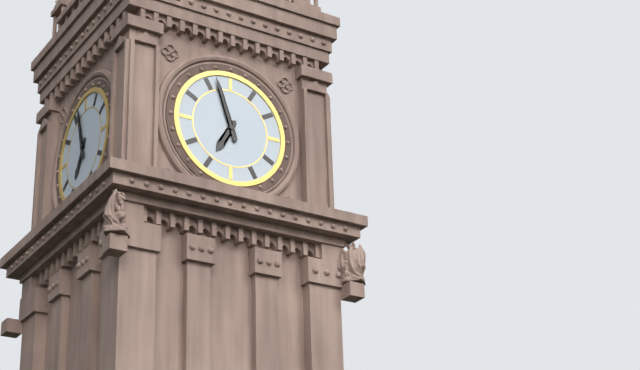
6:57
